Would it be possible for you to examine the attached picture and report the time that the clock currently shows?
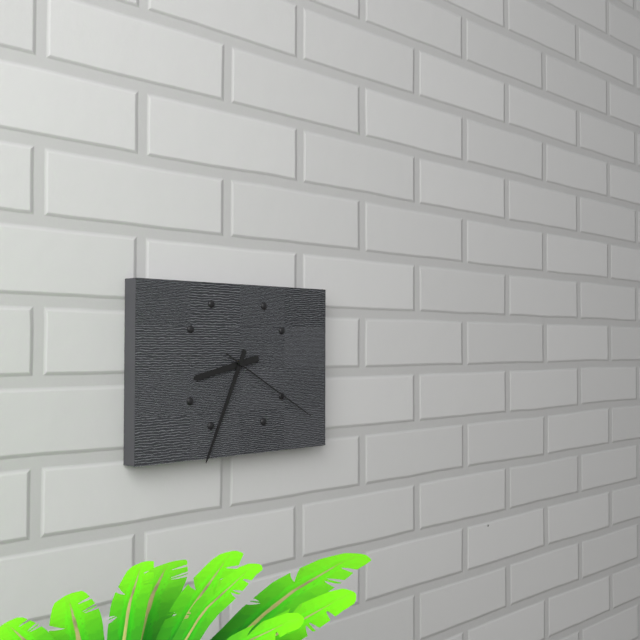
8:34:20
